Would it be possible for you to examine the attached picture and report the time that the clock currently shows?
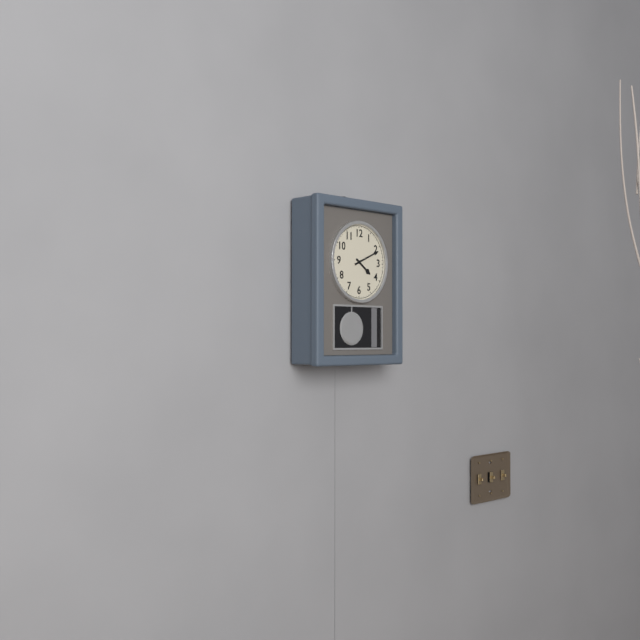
4:11
